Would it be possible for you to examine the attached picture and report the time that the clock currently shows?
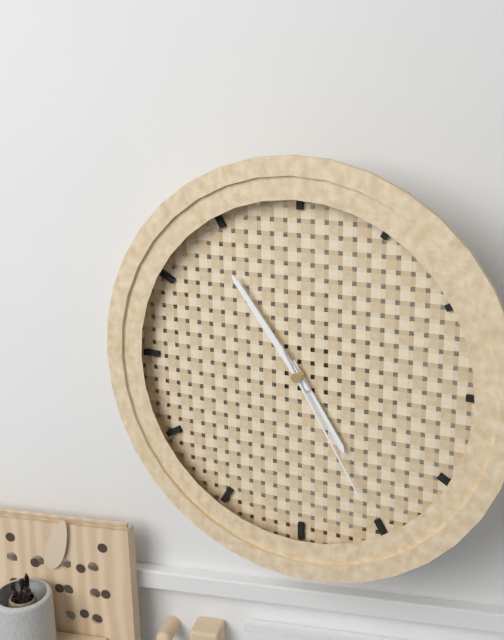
4:54:25
